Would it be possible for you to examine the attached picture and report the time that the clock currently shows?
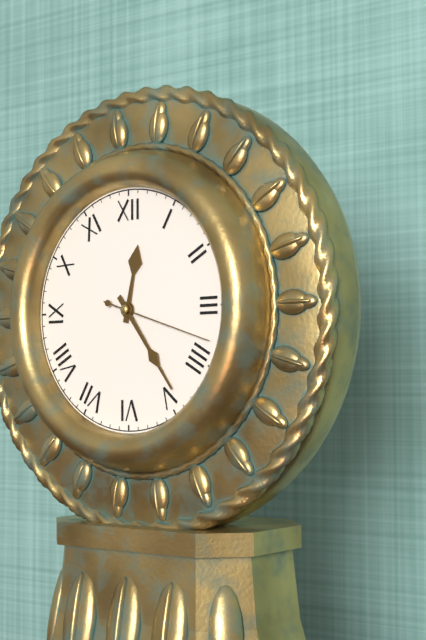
12:24:18
